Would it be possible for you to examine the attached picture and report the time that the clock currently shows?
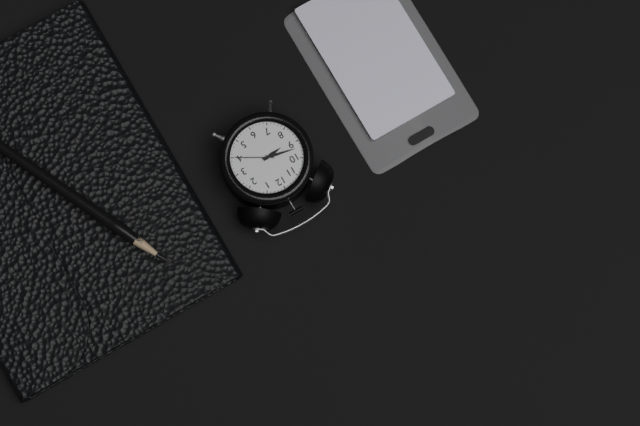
8:47
